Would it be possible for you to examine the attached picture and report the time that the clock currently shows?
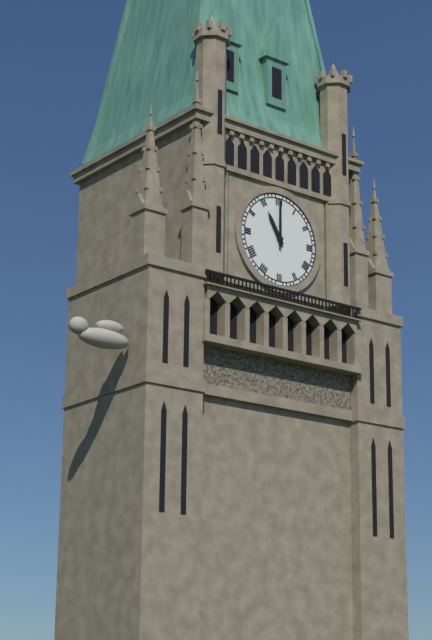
11:00
